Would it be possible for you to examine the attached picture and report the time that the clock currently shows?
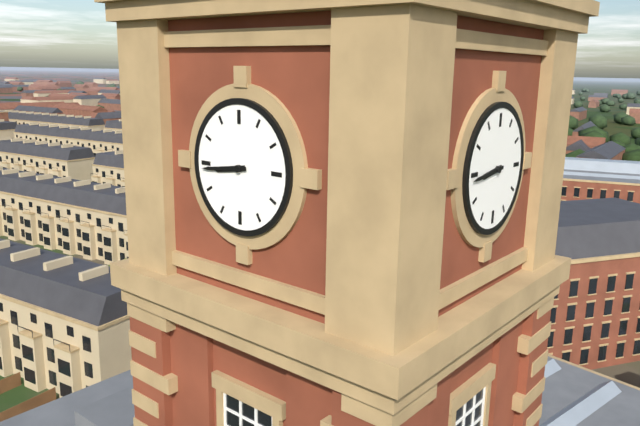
8:44
